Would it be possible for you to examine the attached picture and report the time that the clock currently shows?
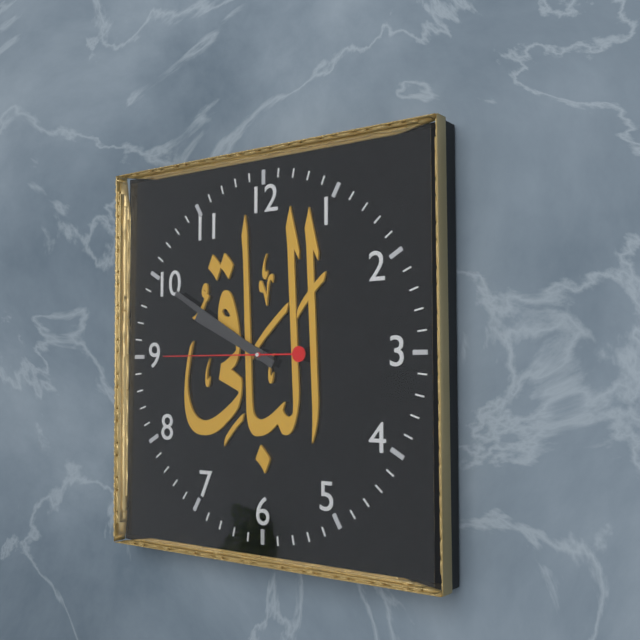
9:50:45
